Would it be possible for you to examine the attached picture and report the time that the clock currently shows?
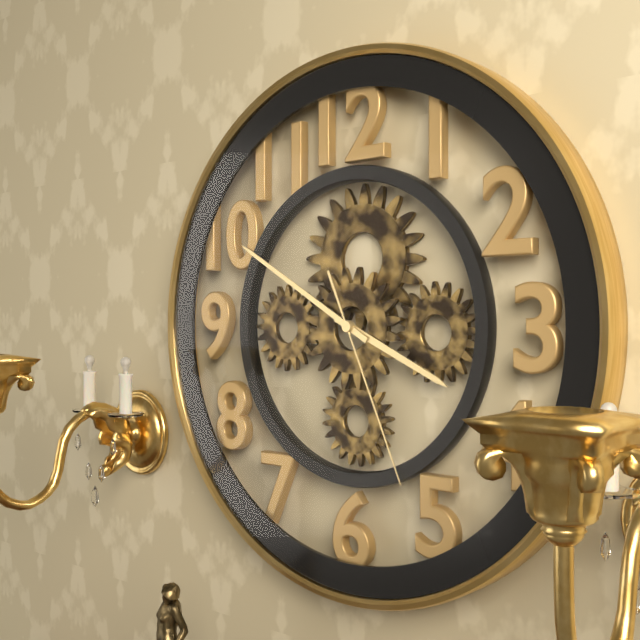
3:50:26
